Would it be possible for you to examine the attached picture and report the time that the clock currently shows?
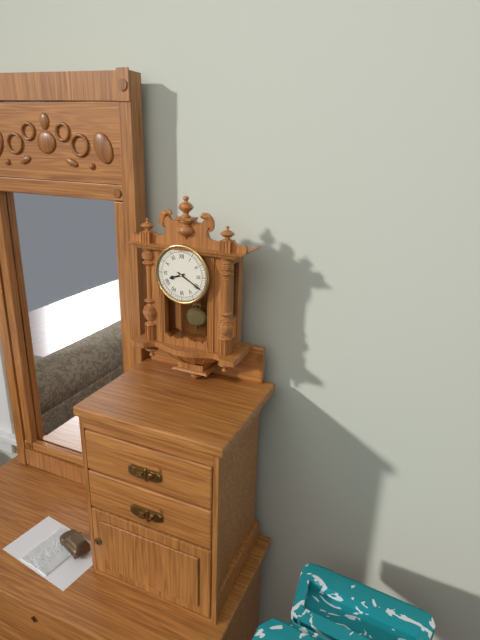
8:20
